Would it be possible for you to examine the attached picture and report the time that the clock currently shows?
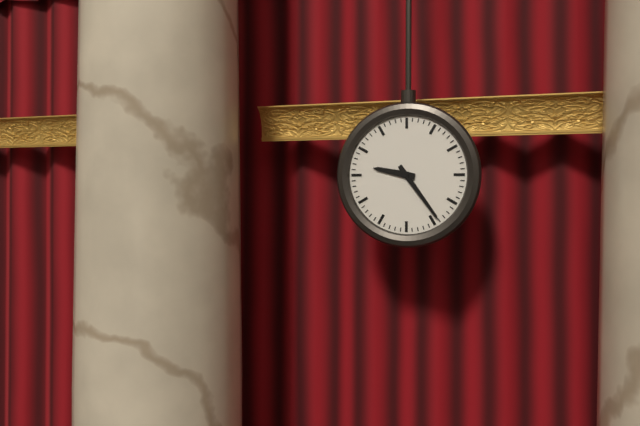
9:24
